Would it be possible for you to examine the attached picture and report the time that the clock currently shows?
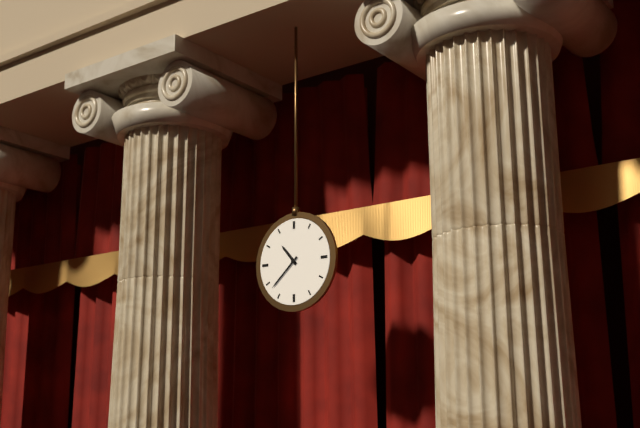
10:38
